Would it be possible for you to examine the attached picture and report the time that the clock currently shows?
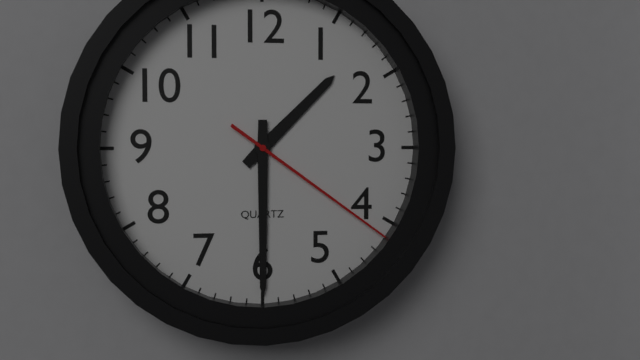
1:30:21
